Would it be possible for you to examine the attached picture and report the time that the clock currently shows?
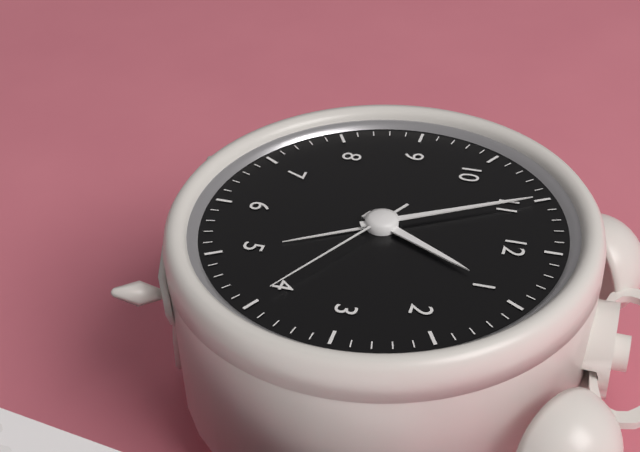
12:55:20
